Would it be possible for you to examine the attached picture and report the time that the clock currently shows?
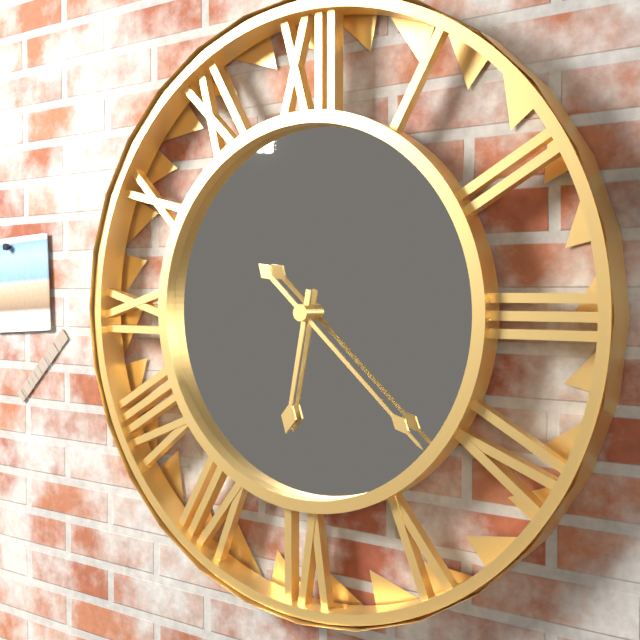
6:22
